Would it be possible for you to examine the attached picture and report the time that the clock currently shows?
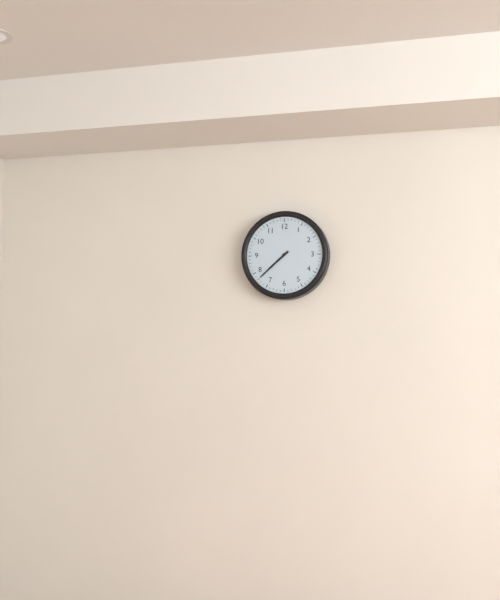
7:38
